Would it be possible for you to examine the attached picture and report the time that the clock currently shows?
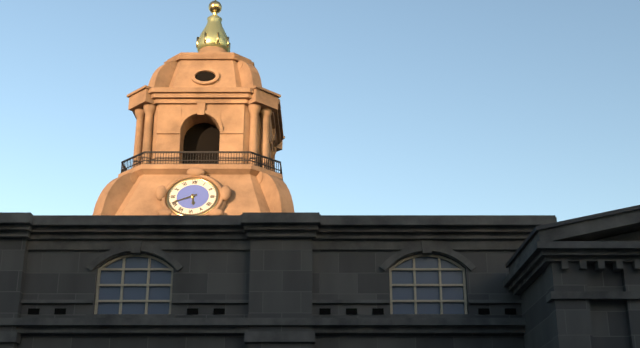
5:41
